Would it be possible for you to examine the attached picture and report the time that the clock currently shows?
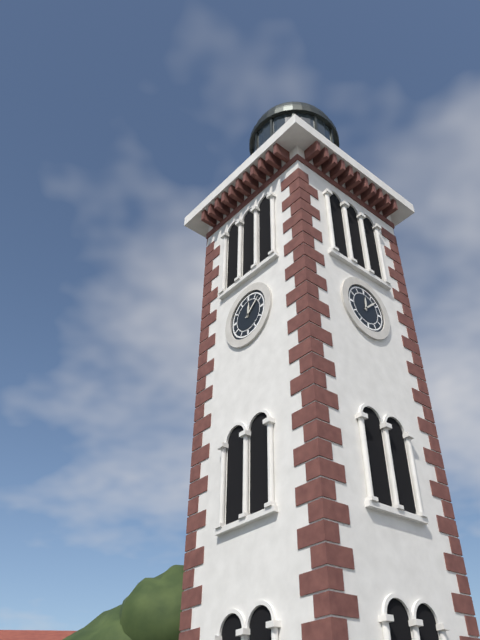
12:08
